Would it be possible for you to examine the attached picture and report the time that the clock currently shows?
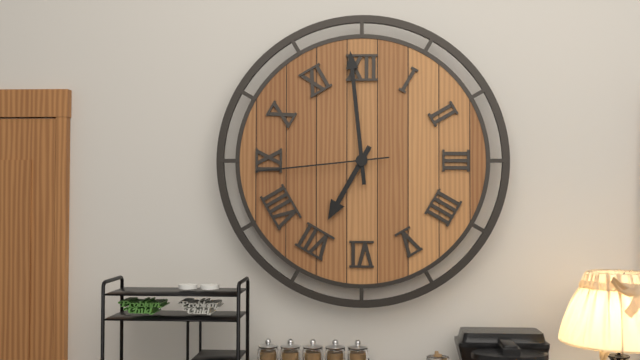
6:59:44
